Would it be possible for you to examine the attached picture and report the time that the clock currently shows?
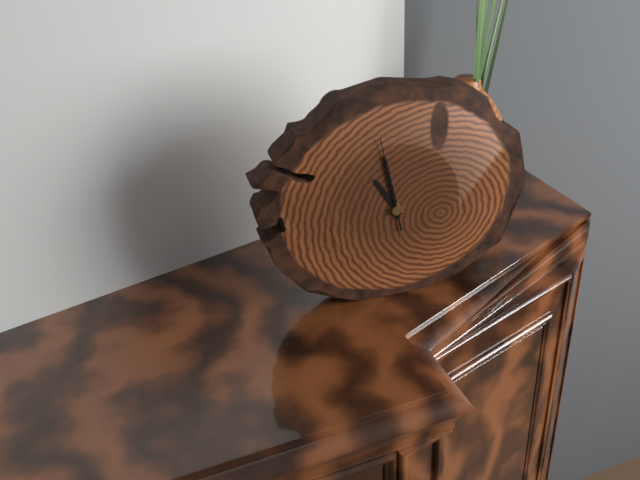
10:58:58
